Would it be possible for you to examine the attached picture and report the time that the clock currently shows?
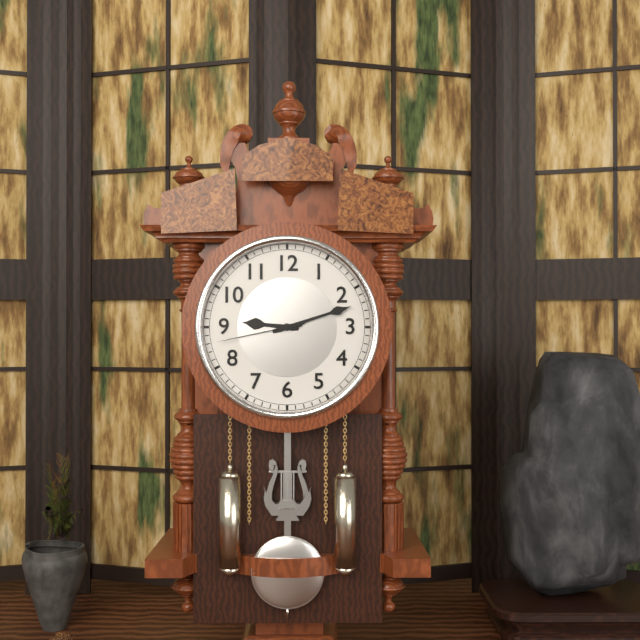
9:12:43
